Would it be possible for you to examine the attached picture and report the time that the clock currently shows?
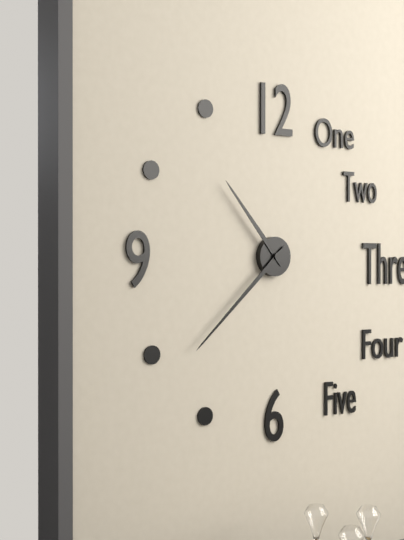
10:38
